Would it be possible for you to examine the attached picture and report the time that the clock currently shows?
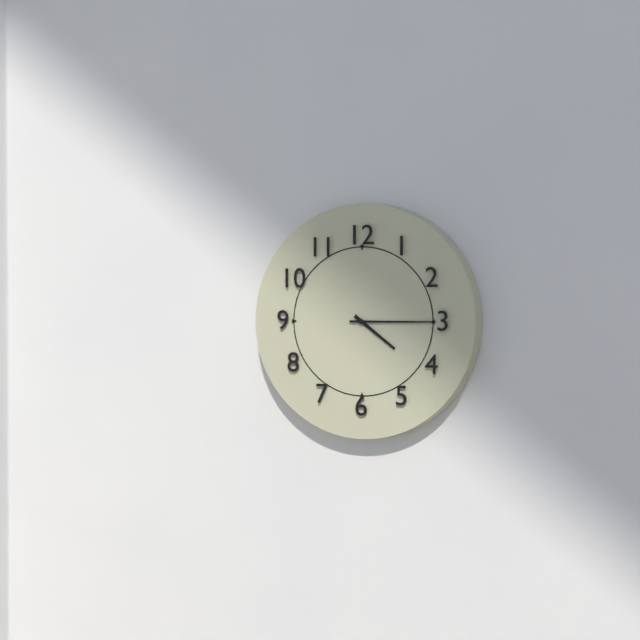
4:15
